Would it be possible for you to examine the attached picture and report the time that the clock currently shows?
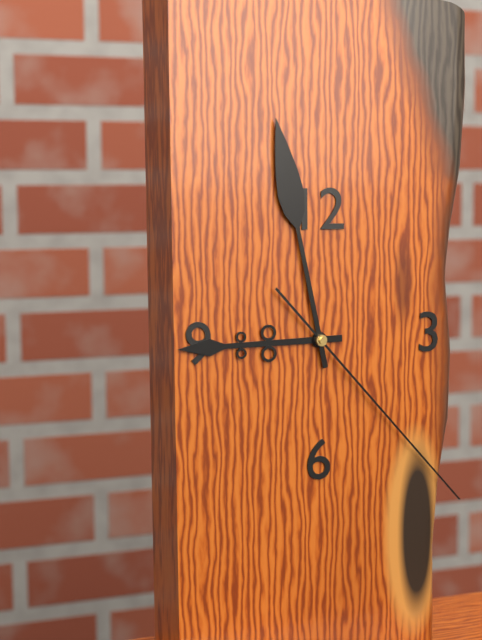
8:58:23
